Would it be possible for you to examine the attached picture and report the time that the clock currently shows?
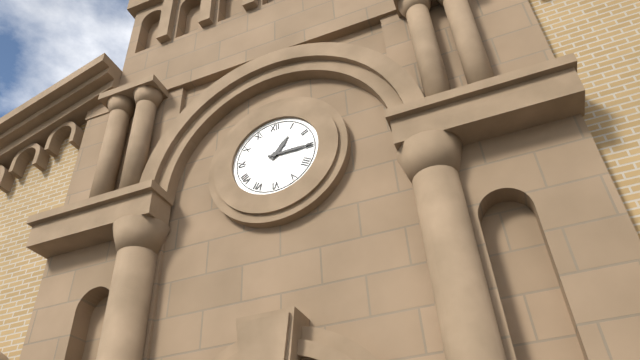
1:15
